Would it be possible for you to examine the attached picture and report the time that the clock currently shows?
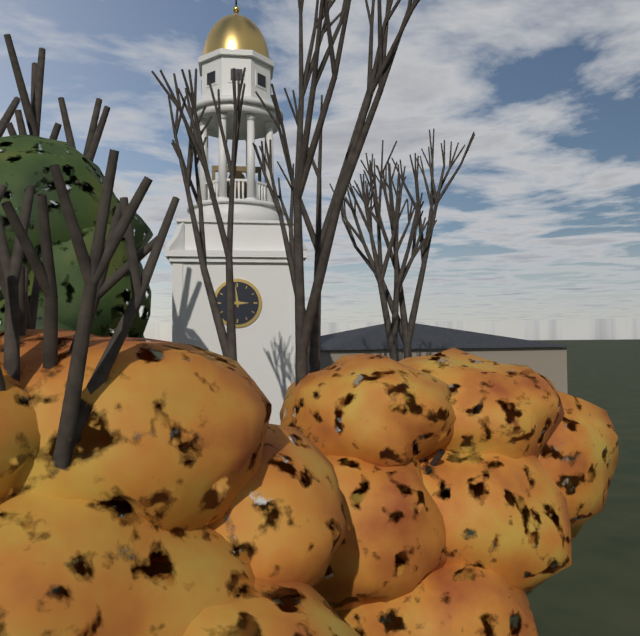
2:59
